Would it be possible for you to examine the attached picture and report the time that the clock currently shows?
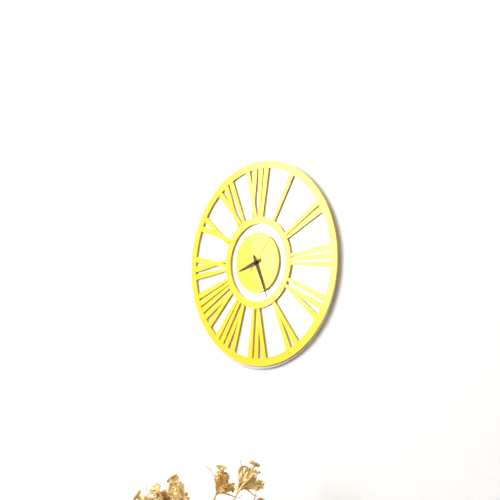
8:26
